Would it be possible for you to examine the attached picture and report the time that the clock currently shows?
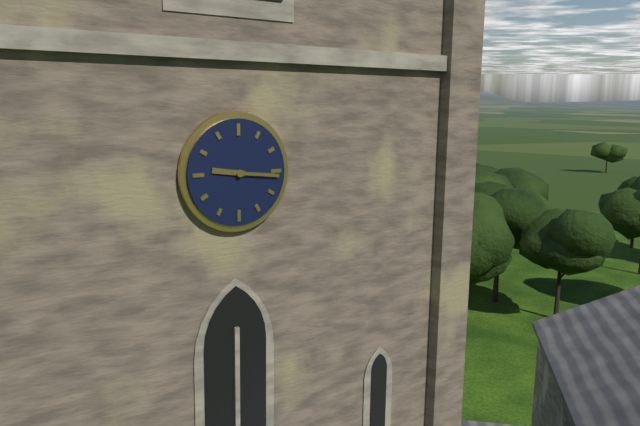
9:16
